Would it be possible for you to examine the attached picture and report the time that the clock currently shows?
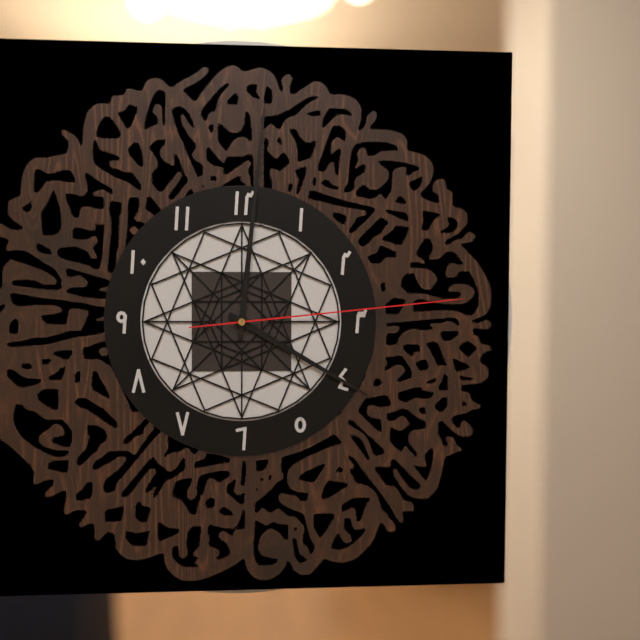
4:01:14
